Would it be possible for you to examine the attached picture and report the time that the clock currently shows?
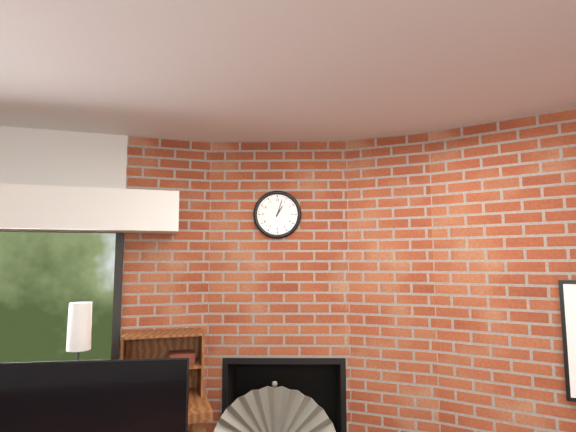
1:03
